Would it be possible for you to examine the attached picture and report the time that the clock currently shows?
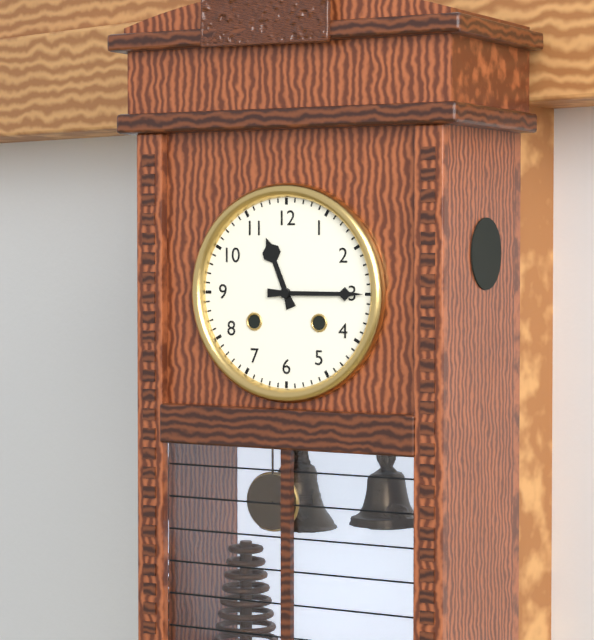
11:15
